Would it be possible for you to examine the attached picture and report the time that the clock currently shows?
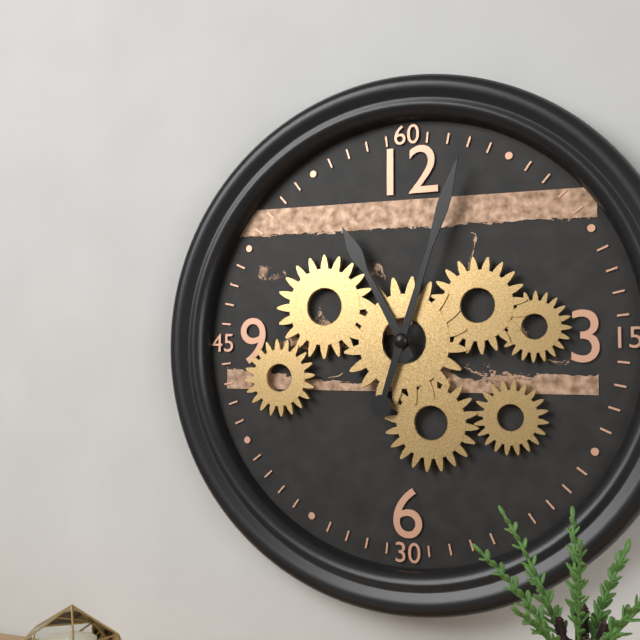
11:03
